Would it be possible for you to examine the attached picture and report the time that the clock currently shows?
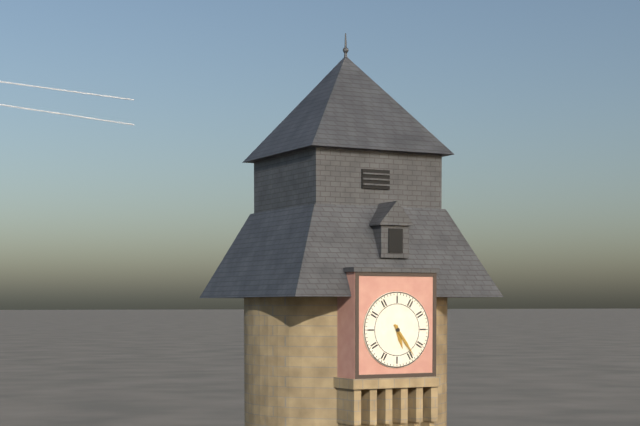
5:24
